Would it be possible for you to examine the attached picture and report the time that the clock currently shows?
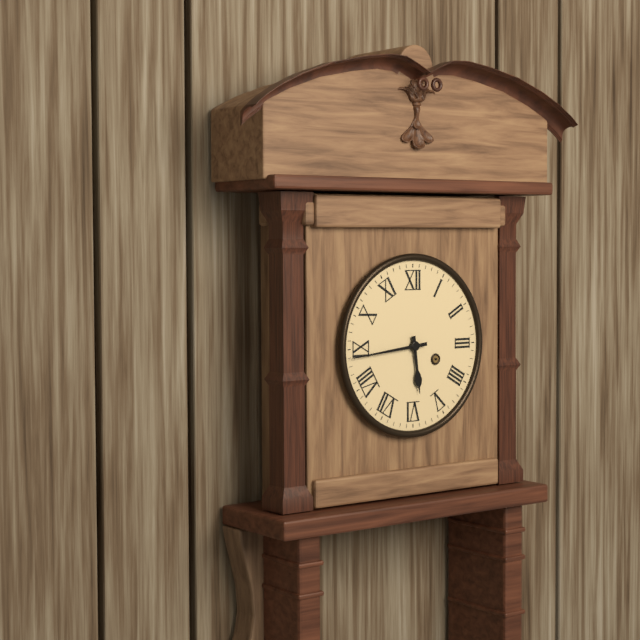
5:44
